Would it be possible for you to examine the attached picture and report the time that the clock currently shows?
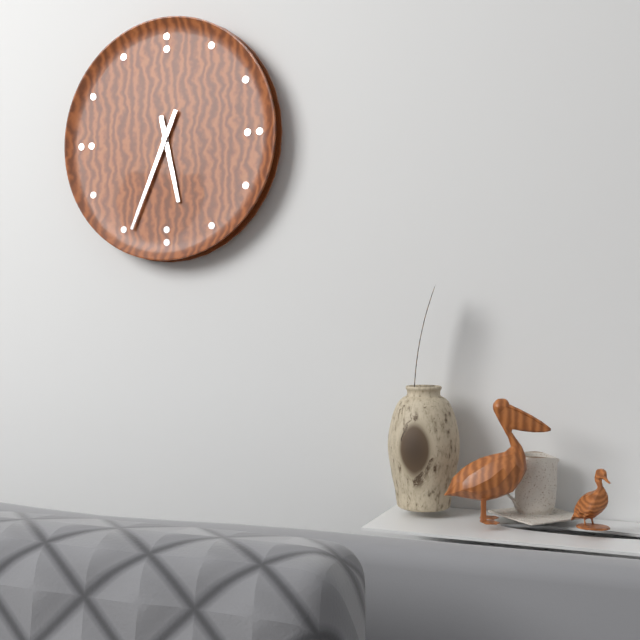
5:34
